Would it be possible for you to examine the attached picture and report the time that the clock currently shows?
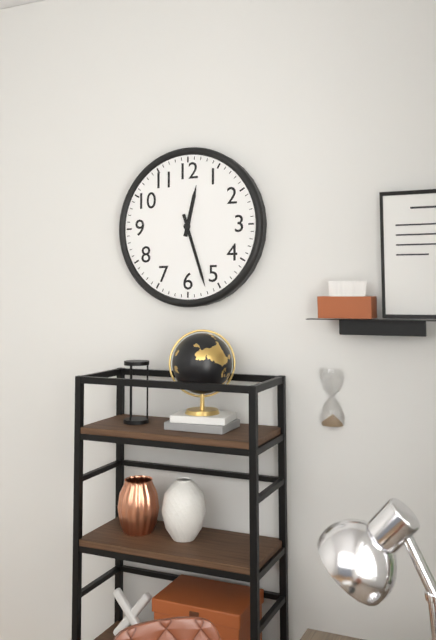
12:27
